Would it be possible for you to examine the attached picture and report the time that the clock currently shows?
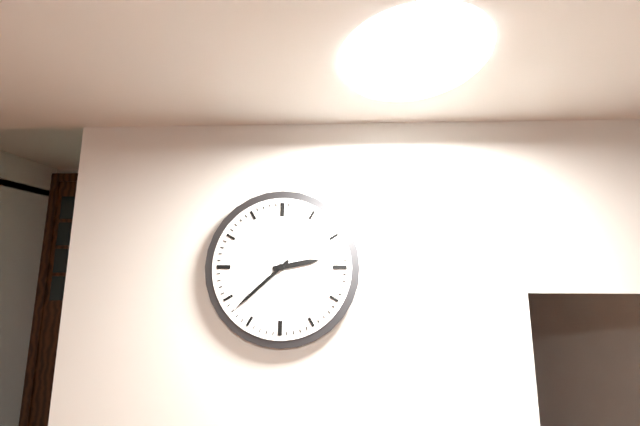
2:38
